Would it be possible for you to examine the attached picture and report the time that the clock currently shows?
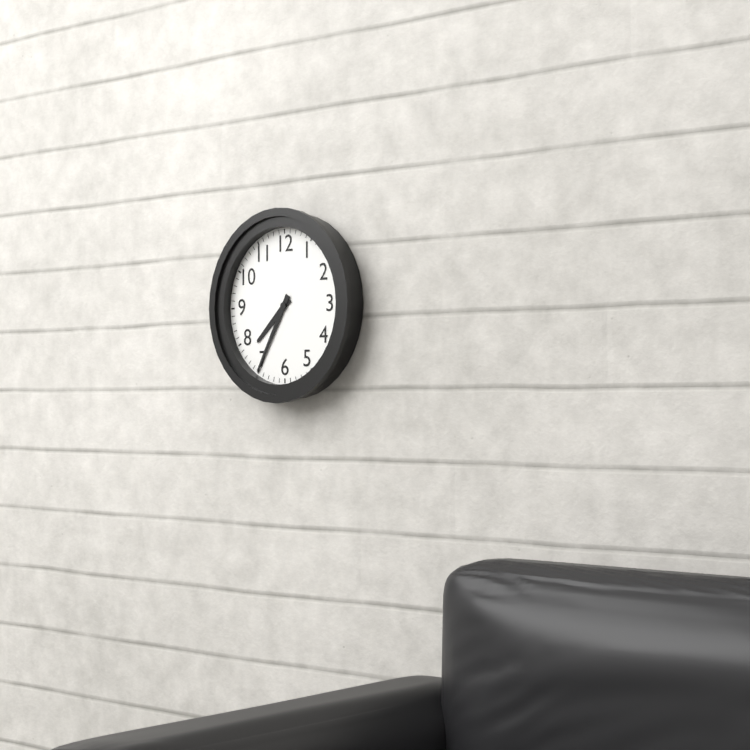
7:35
